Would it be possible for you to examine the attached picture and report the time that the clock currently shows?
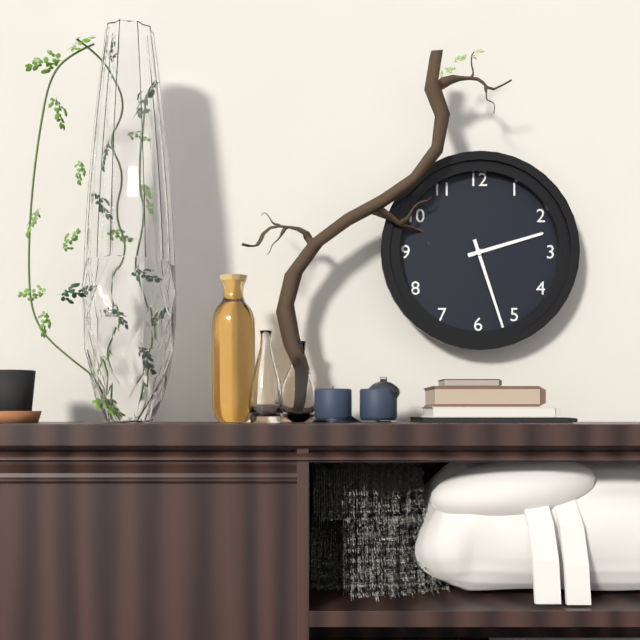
2:27
